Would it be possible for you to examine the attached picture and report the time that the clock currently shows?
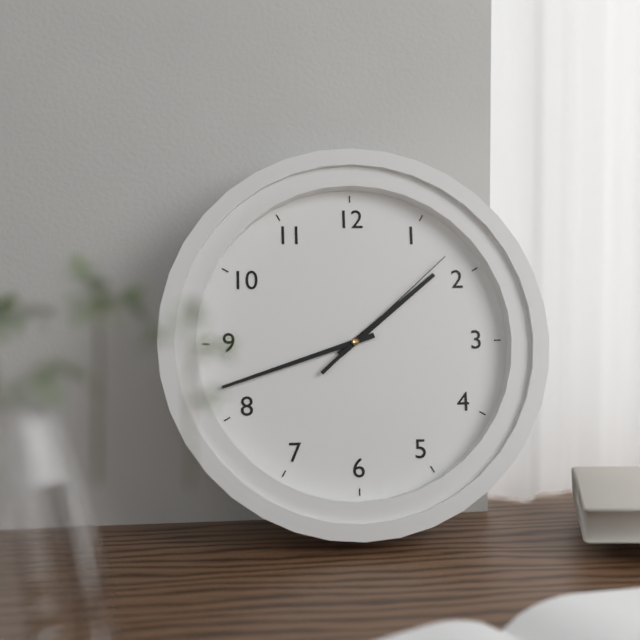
1:42:08
